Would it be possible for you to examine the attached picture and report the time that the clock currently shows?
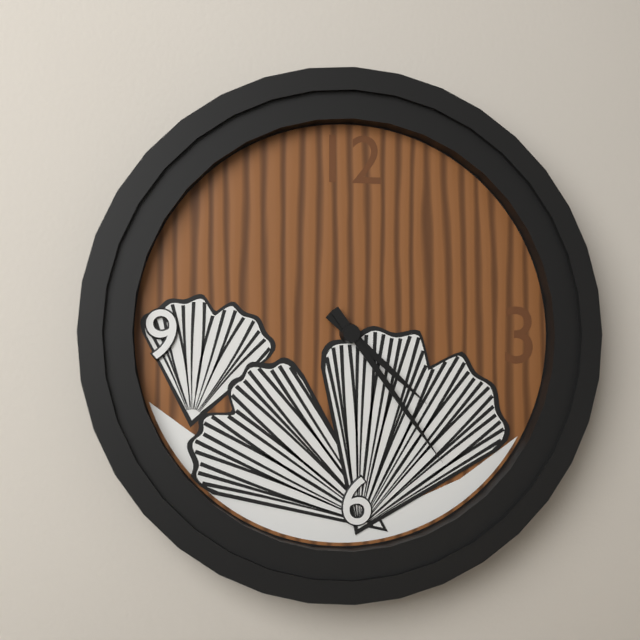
4:24
